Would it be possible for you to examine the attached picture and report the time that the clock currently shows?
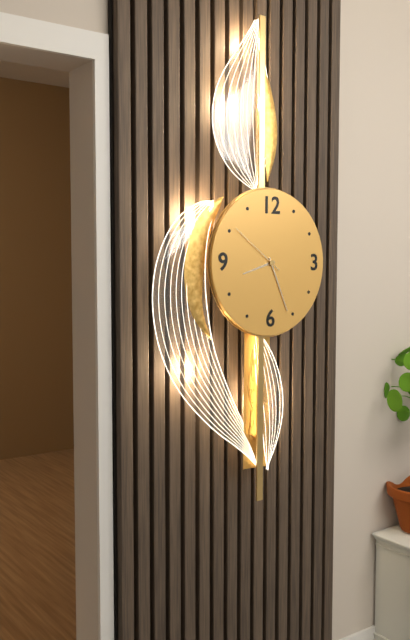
8:26:51
